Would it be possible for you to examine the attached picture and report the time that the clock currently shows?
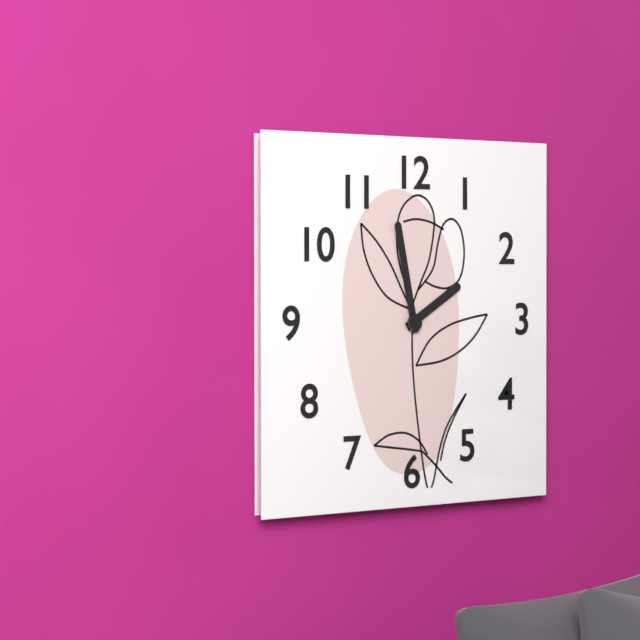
1:58
